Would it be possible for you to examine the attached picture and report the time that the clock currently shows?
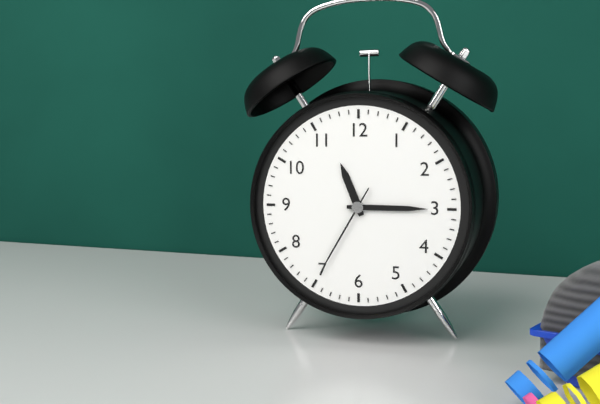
11:15:35
